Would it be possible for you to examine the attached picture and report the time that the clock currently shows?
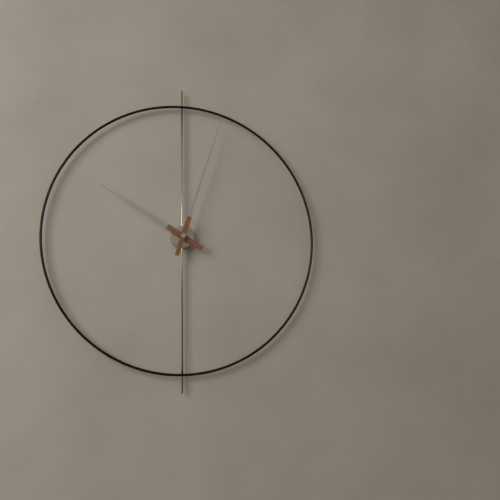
10:03
